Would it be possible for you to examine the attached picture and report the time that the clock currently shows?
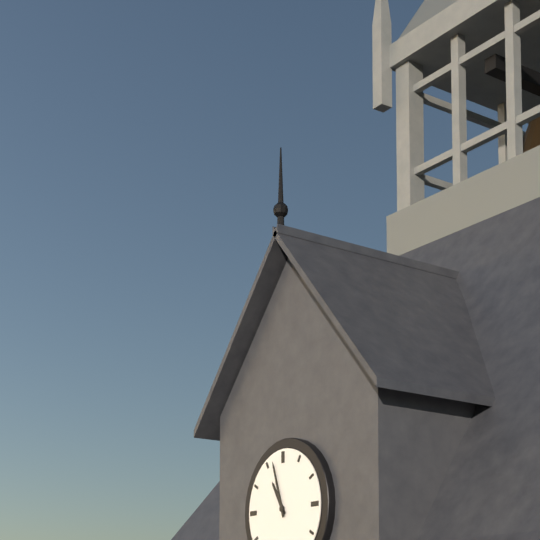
10:57
